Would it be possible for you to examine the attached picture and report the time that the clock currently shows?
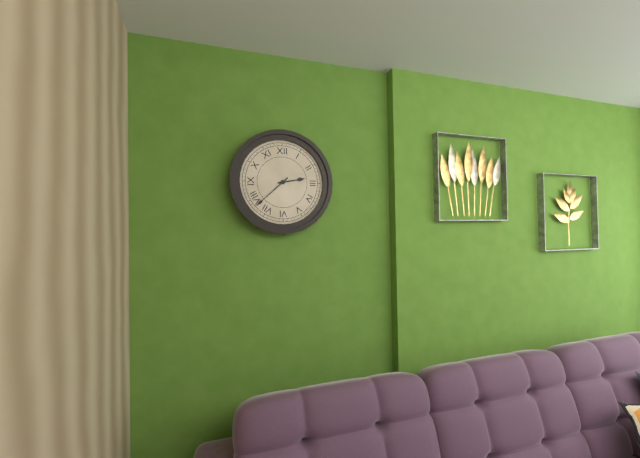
2:38
